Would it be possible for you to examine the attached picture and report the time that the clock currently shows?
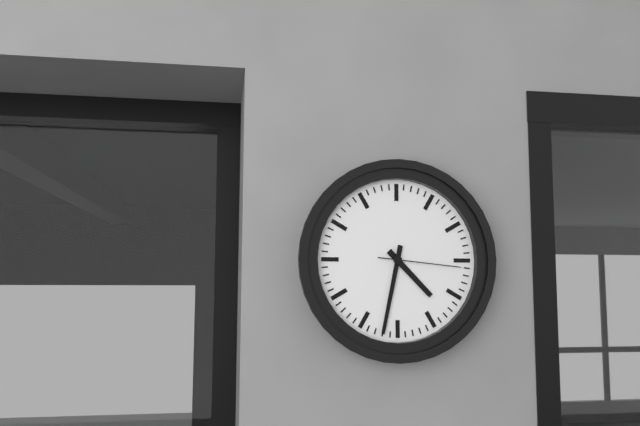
4:32:16
